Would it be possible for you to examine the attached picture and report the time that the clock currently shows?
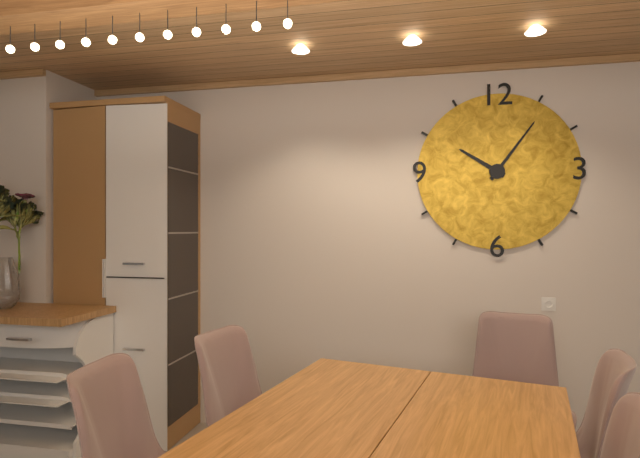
10:06
